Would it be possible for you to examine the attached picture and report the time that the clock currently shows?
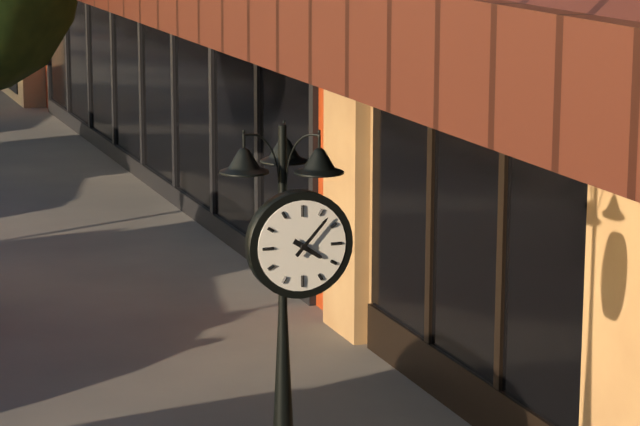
4:07
